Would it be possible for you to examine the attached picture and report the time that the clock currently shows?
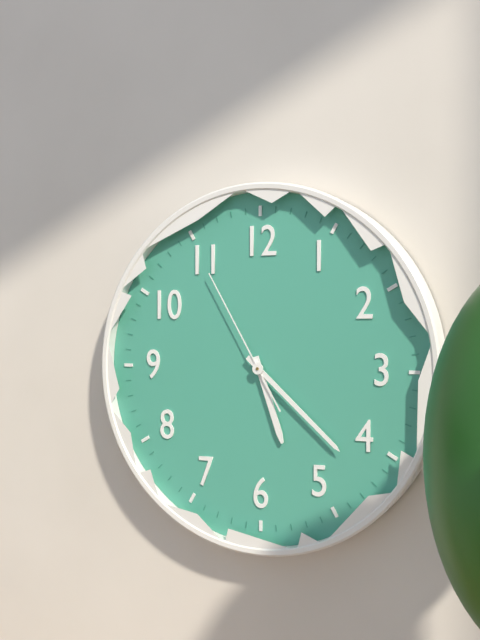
5:22:55
